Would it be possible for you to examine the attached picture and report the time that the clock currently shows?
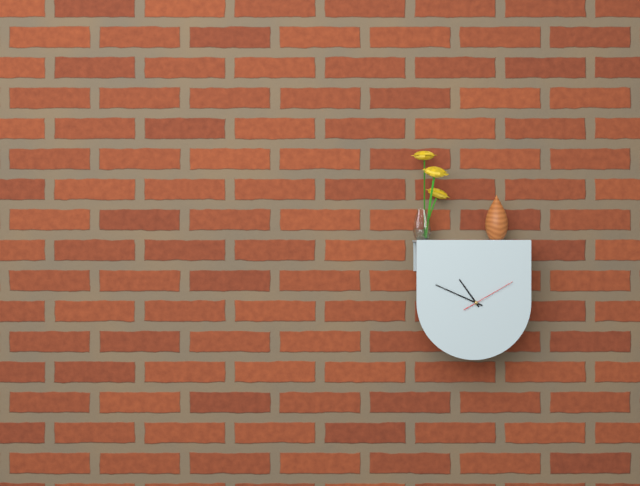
10:49:10
